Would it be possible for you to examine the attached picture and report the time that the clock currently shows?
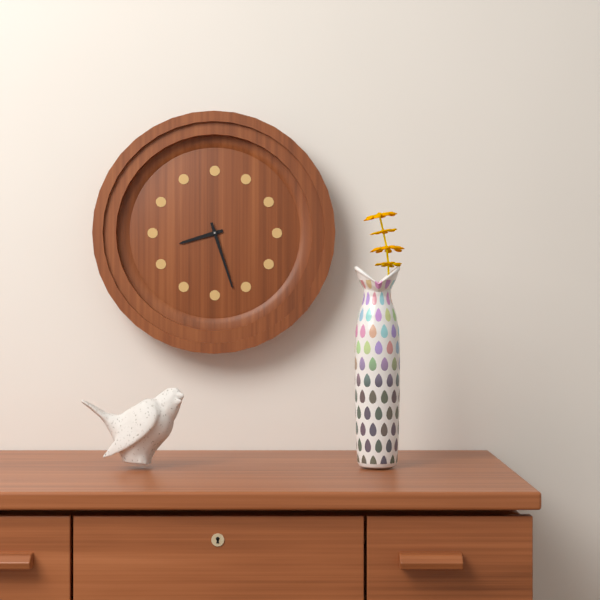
8:27
